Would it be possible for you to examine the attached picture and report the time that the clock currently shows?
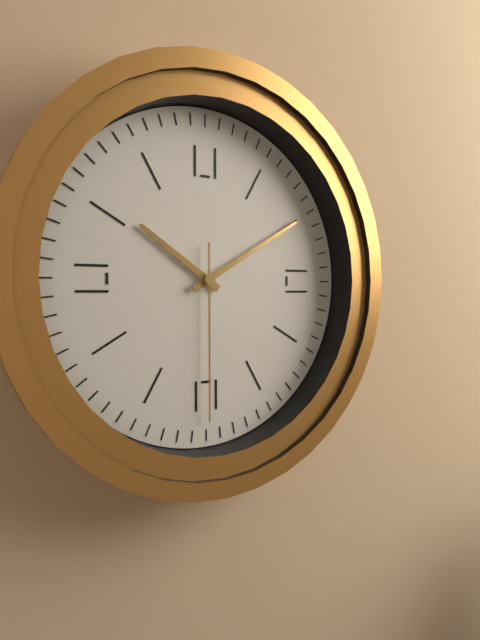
10:10:30
